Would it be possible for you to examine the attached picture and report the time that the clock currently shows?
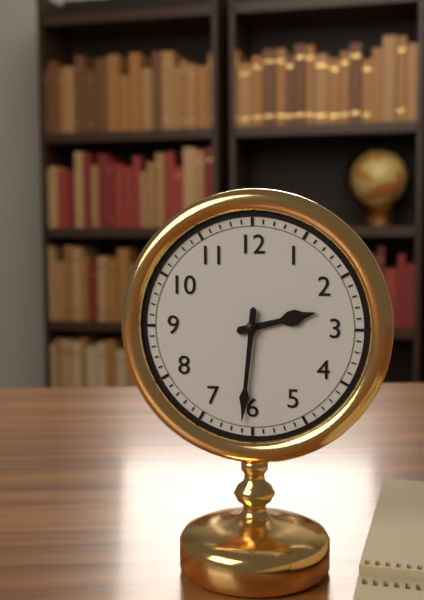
2:31
